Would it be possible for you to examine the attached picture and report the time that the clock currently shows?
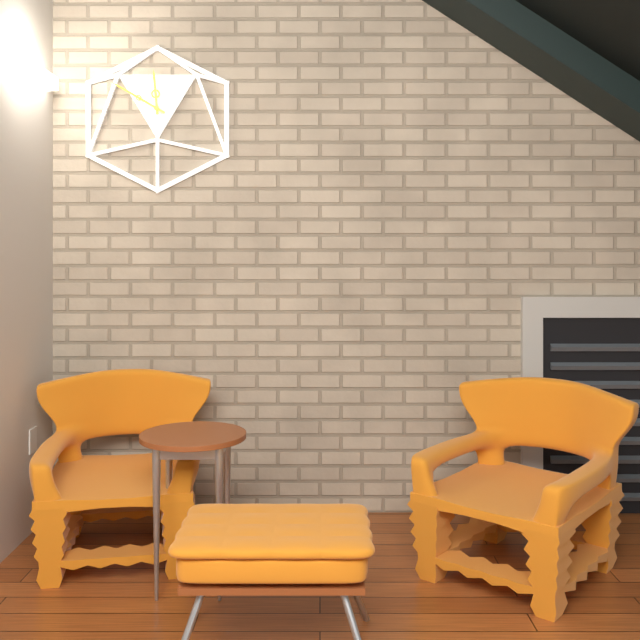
11:50
